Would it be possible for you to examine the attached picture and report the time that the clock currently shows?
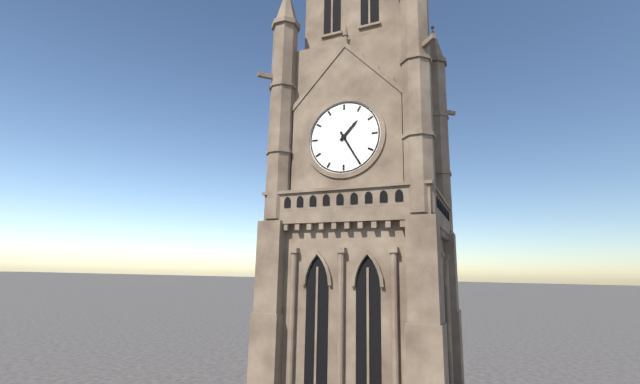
1:25
